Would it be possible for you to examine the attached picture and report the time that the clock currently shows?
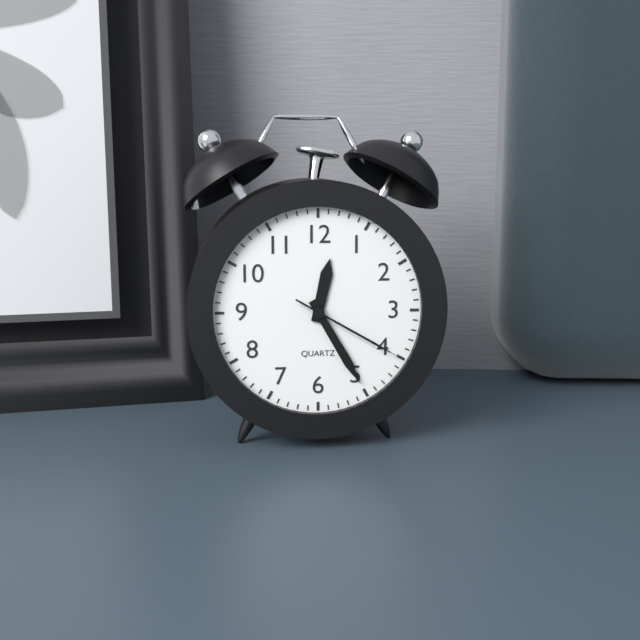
12:25:20
